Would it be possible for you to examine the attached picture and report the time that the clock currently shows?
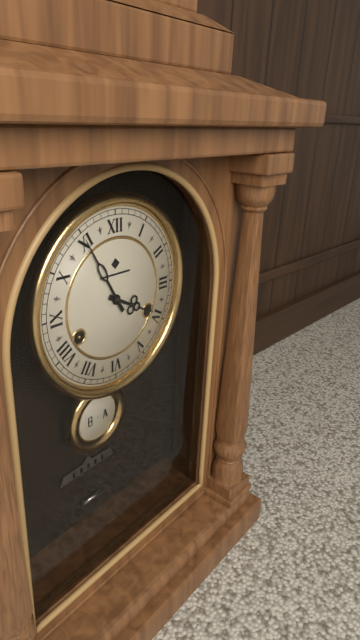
3:55
